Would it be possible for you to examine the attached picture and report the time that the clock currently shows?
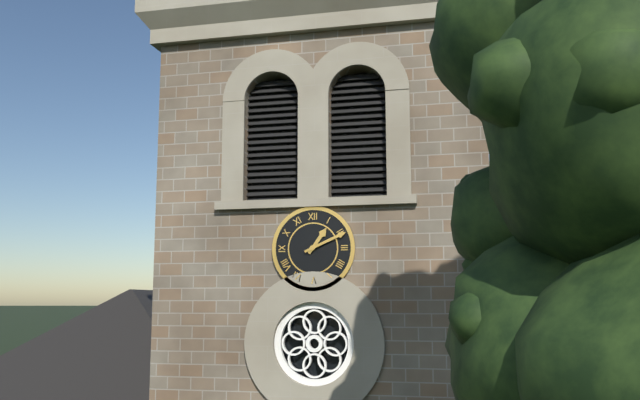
1:11
